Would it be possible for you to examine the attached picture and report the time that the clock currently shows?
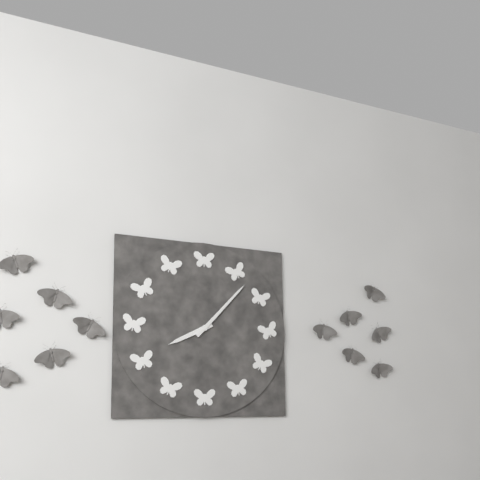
8:07
